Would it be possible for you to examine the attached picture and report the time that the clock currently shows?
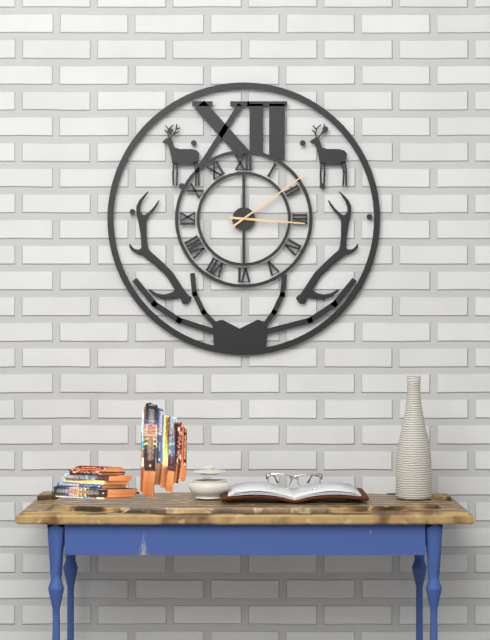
3:09
